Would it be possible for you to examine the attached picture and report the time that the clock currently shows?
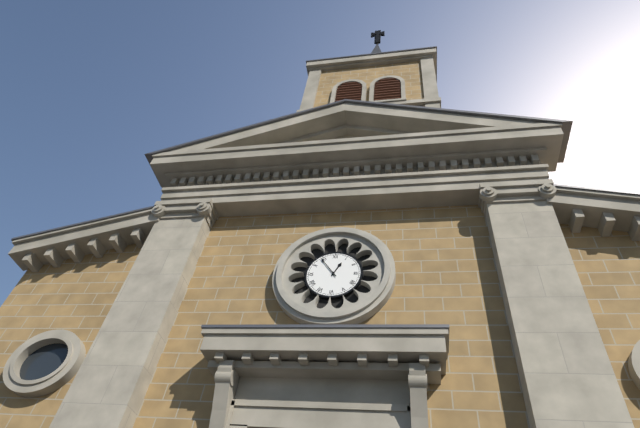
12:54
